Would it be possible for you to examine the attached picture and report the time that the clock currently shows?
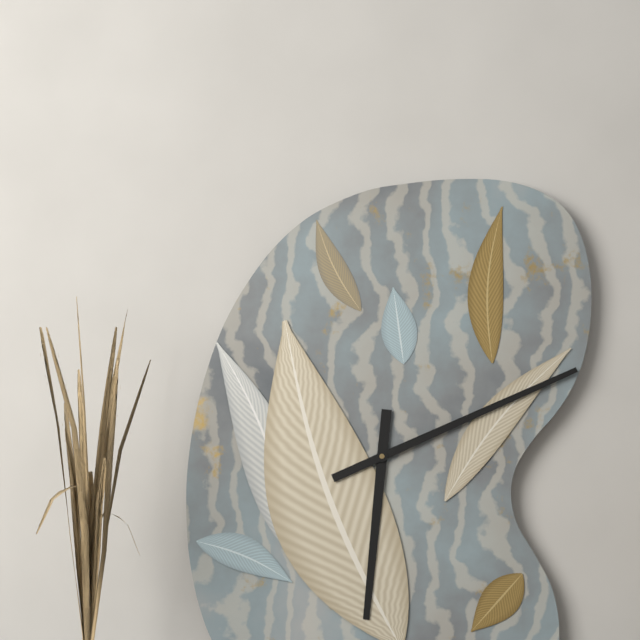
6:11
